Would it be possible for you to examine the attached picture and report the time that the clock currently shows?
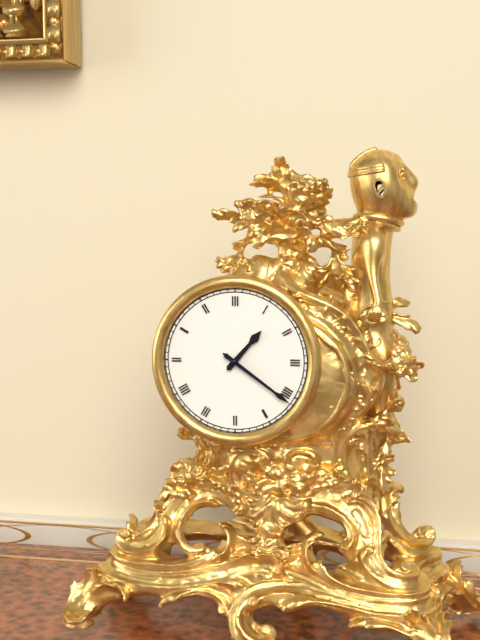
1:21
